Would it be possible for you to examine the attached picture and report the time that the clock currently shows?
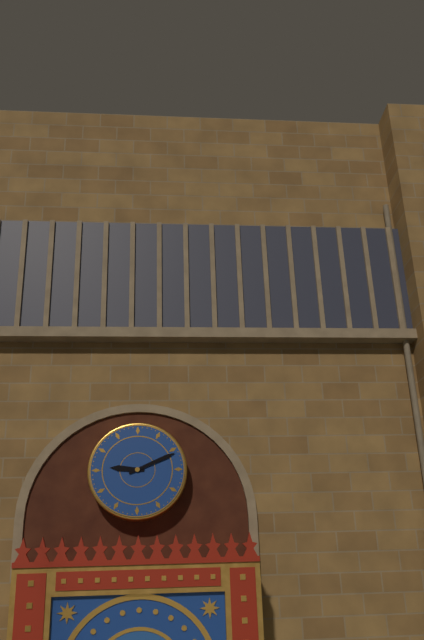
9:11
